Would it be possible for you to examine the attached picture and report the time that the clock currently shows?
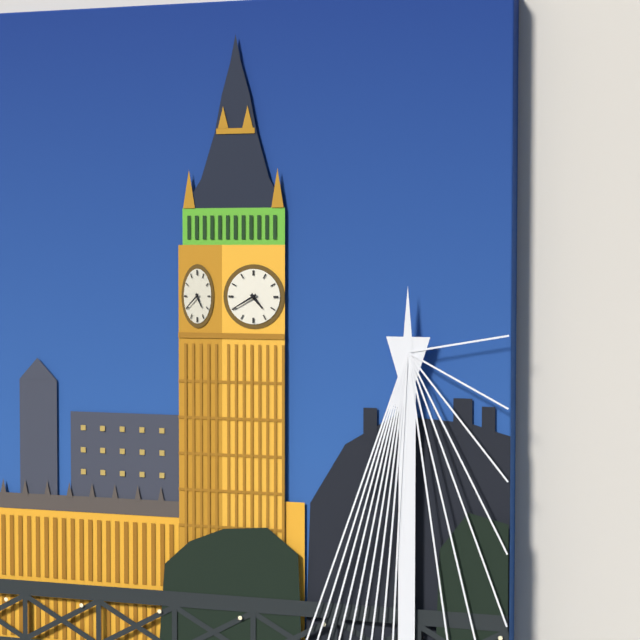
4:40
